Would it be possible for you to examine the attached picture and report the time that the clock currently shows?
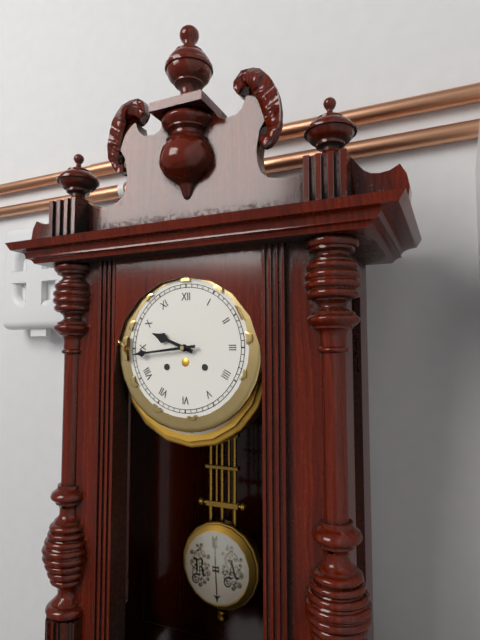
9:44
